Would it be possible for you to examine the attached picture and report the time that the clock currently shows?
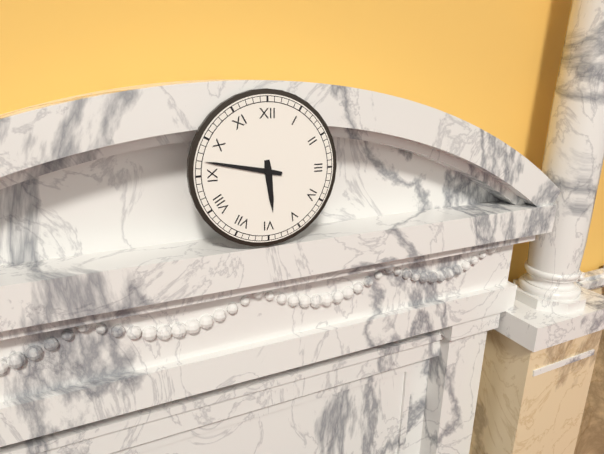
5:47
